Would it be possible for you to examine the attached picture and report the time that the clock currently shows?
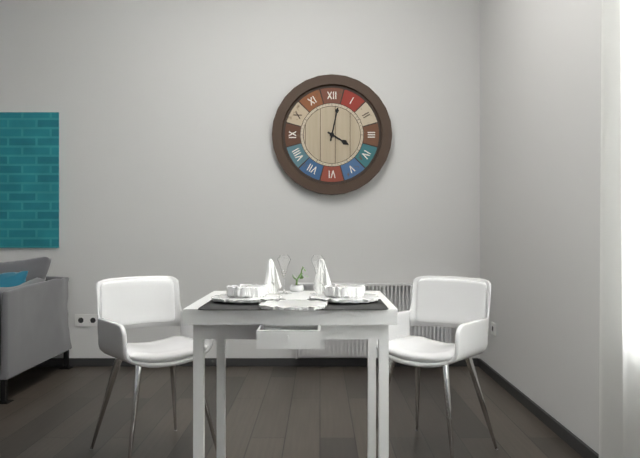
4:02
